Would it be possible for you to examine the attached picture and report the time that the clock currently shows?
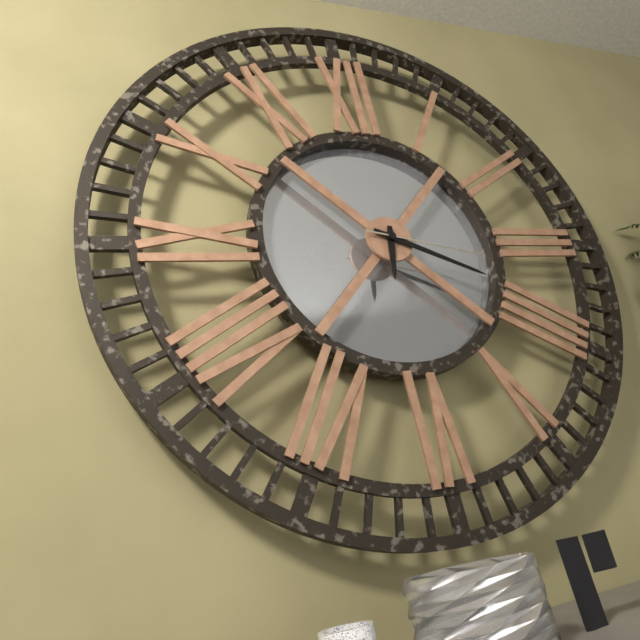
6:19:17
